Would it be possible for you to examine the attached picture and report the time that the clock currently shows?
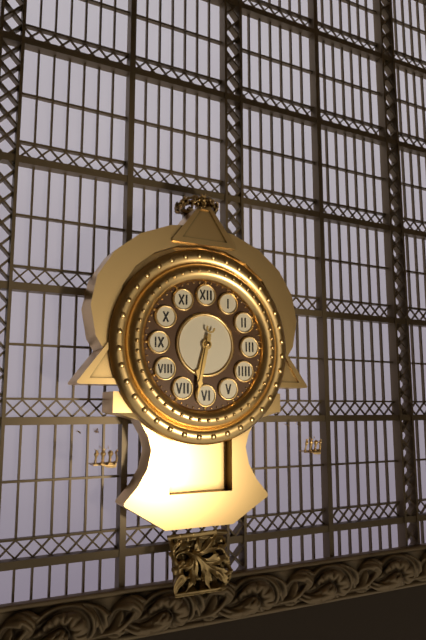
6:32
